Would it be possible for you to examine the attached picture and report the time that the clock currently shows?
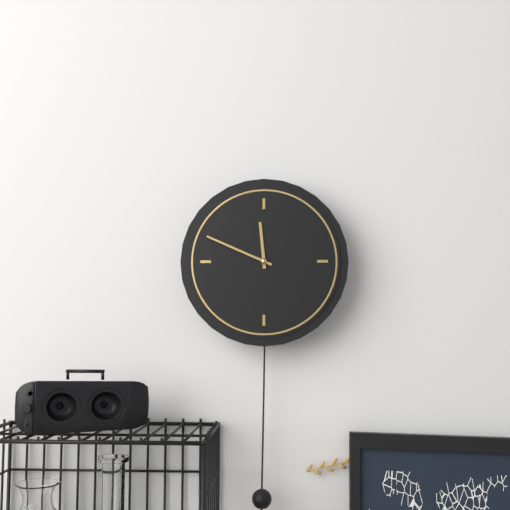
11:49
